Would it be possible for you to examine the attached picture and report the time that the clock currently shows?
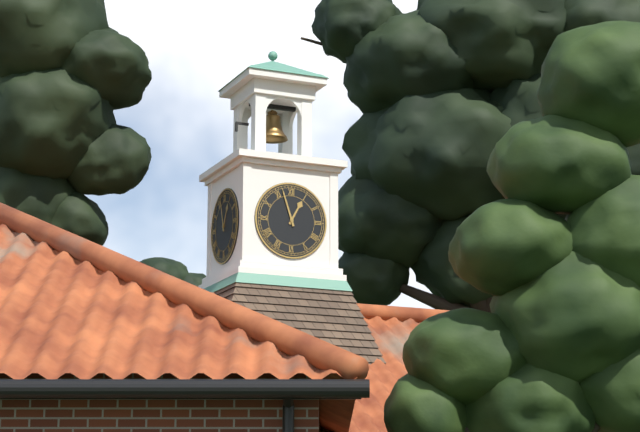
12:57
